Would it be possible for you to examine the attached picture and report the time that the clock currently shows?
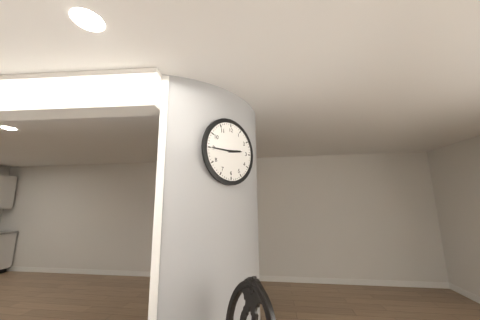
2:45
